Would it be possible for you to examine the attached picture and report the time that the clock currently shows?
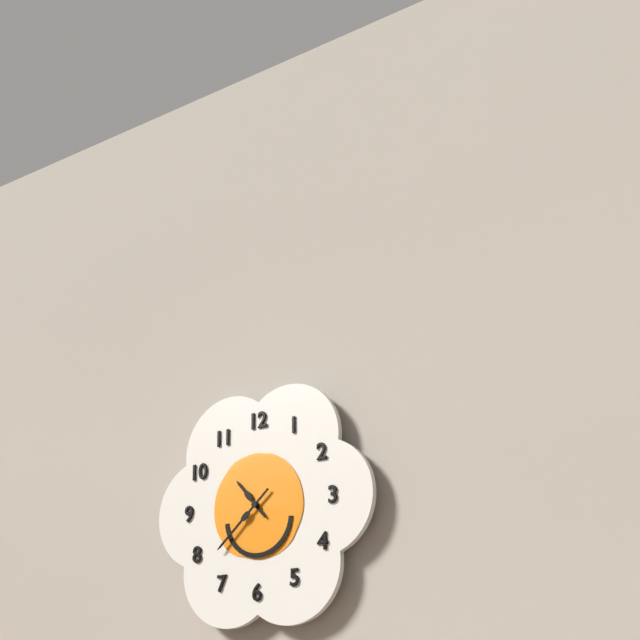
10:38
